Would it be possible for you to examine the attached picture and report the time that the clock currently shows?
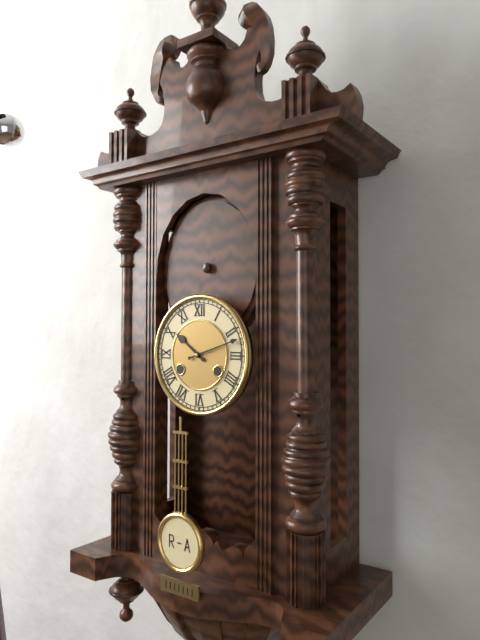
10:12
